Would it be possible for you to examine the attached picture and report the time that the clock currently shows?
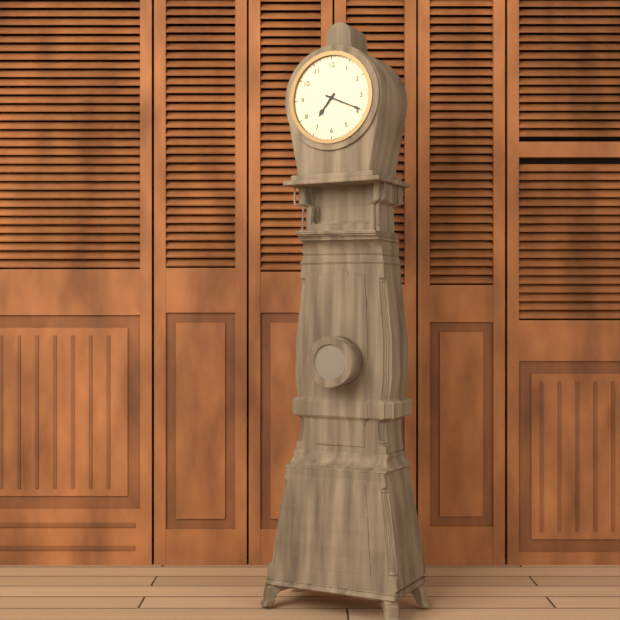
7:19
